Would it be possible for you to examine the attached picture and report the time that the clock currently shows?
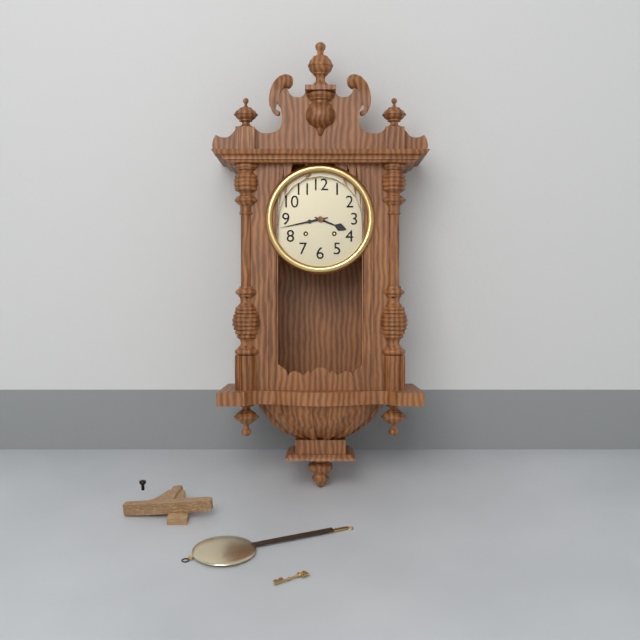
3:43
